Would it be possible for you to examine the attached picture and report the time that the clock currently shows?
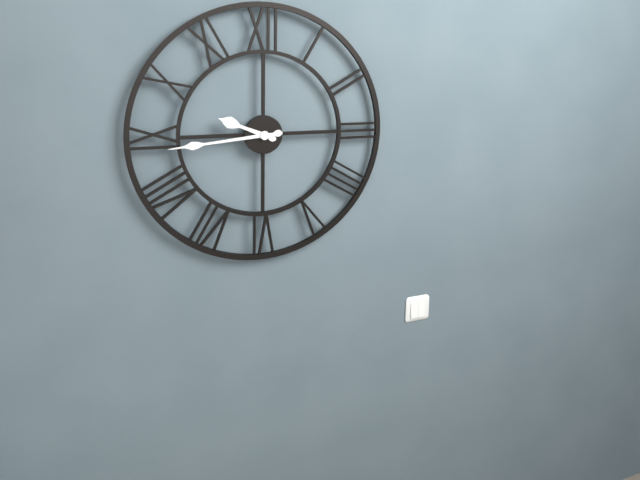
9:44
